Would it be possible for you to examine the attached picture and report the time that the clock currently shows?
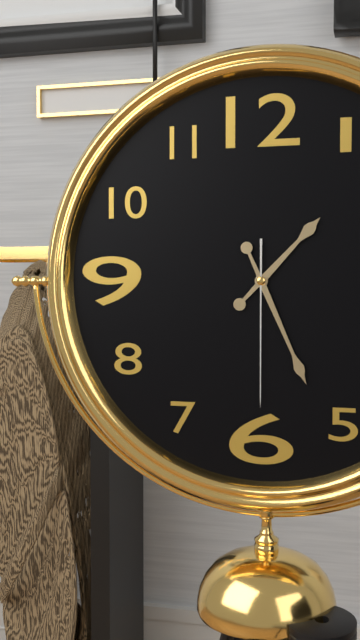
1:26:30
